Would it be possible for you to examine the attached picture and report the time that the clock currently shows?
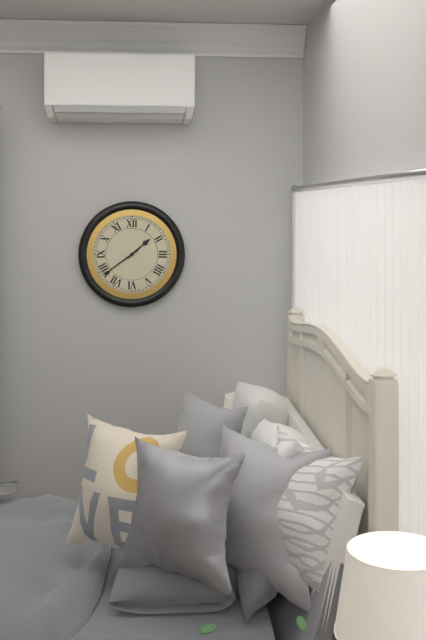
1:39
